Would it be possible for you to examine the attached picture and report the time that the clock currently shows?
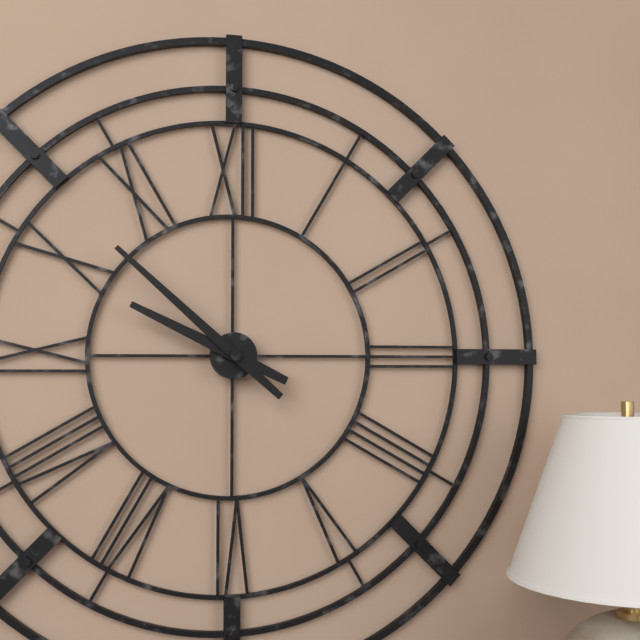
9:52
